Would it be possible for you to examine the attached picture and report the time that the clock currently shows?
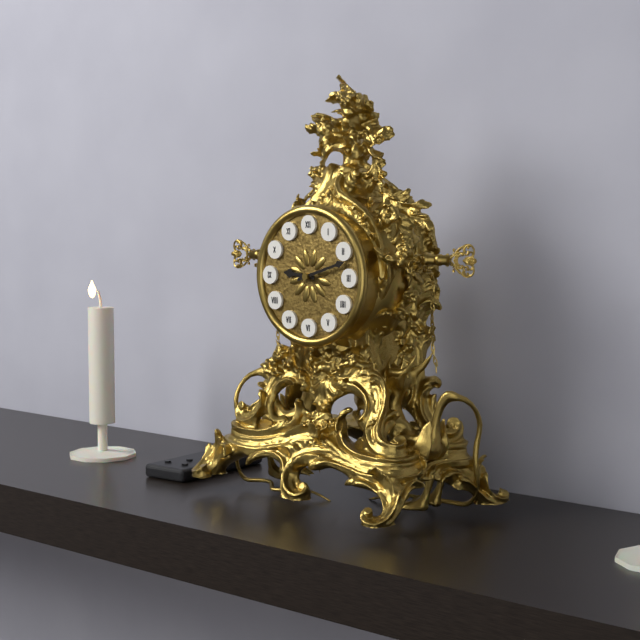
9:12
